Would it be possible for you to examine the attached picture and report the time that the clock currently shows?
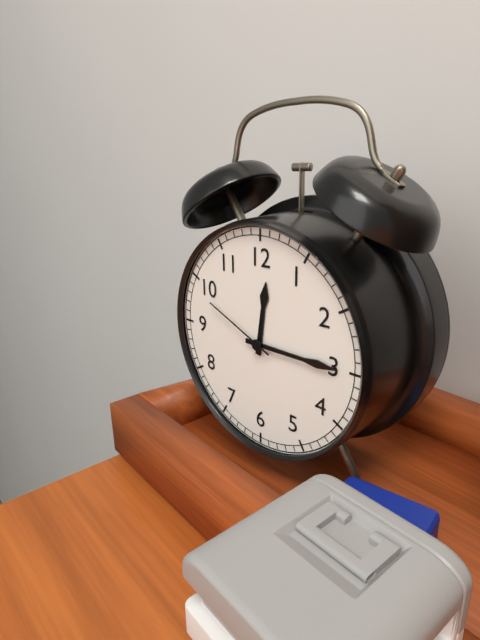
12:15:49
